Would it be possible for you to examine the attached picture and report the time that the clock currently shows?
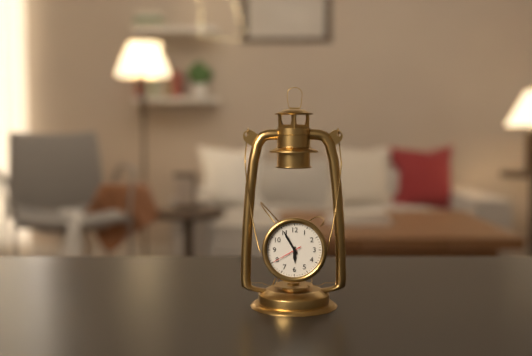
5:55
